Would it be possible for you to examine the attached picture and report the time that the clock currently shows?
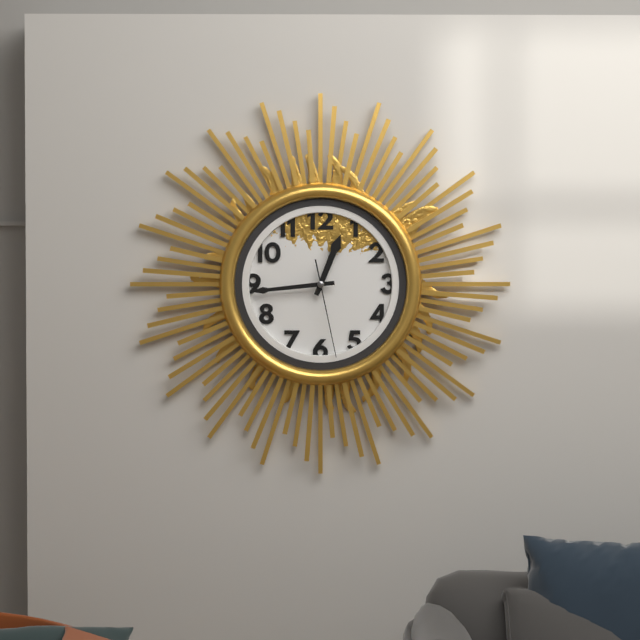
12:44:28
